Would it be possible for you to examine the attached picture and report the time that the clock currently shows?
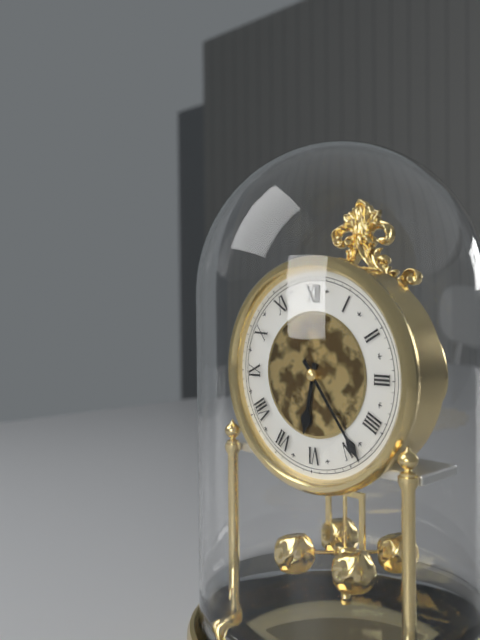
6:24
